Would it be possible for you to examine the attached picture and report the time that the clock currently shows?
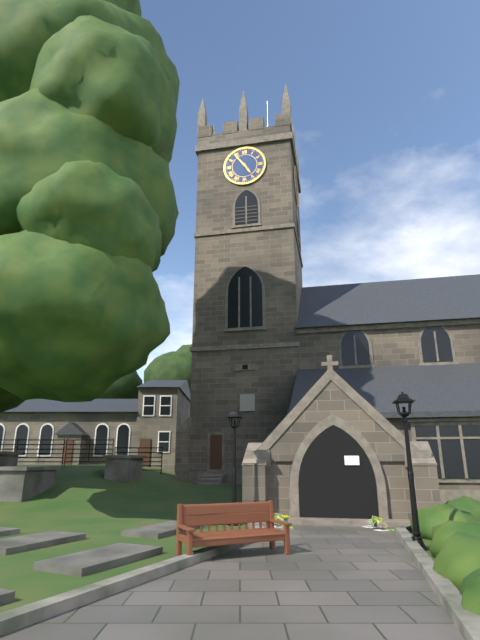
4:54
